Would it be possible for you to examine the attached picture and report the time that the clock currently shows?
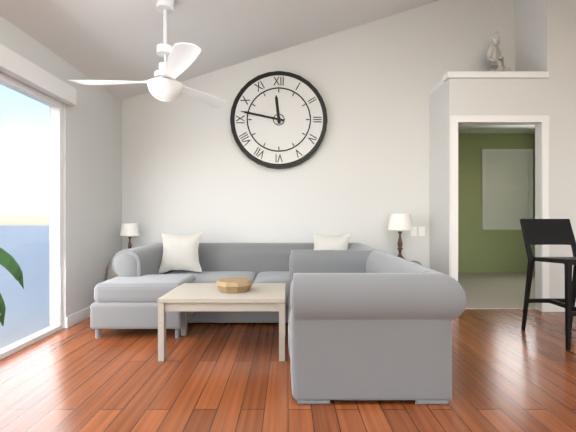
11:47
